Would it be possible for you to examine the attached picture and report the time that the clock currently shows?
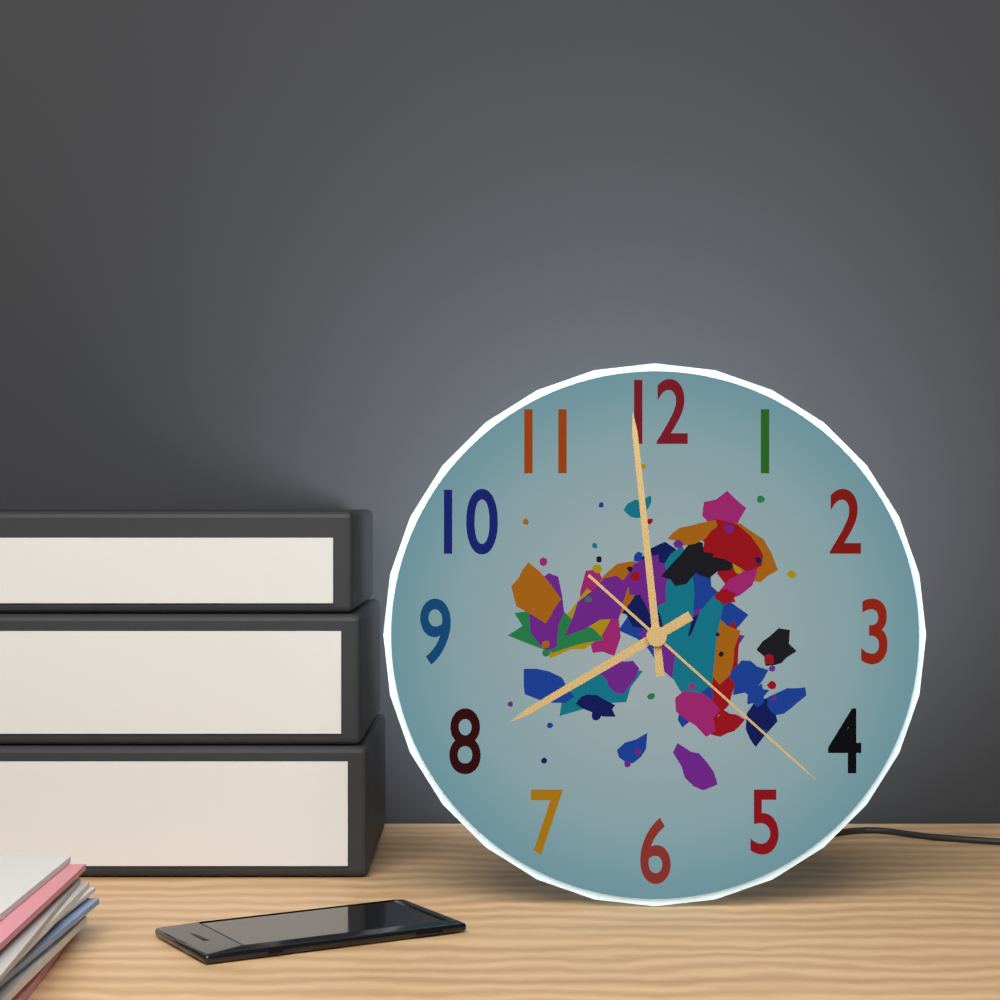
7:59:22
